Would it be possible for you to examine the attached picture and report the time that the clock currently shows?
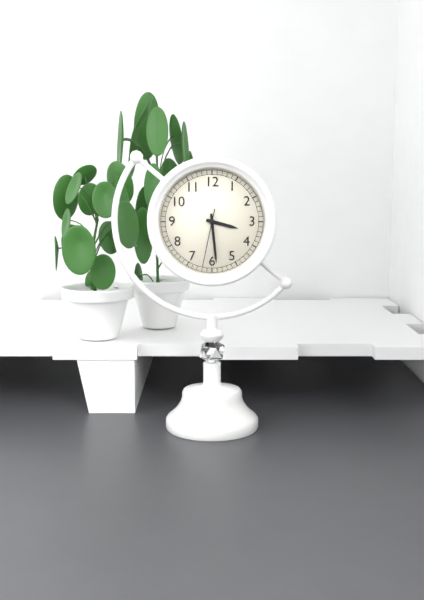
3:29:32
